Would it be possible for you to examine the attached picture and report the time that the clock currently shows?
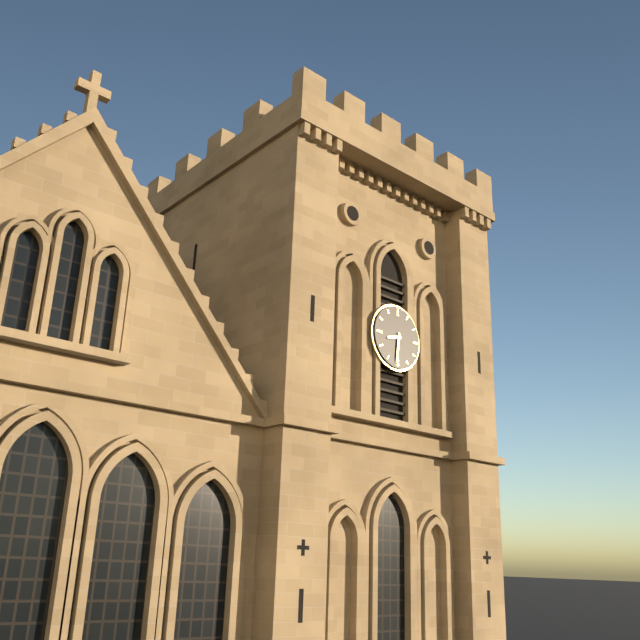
8:31
